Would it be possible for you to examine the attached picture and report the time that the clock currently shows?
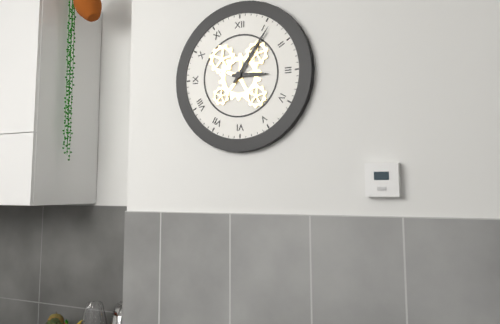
3:06
